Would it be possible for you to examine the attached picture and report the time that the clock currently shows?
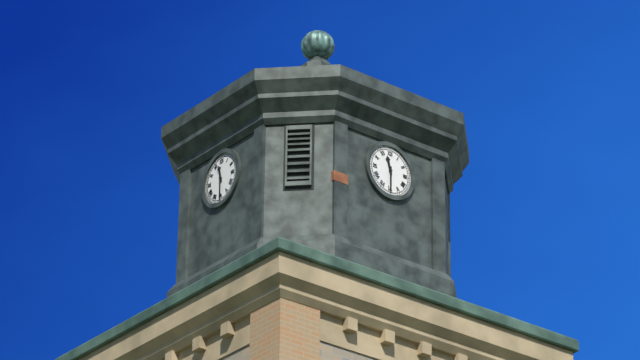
11:30
